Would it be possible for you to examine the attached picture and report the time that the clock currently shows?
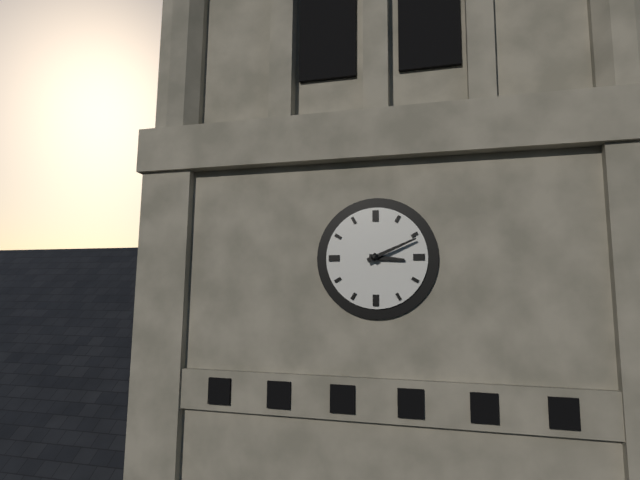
3:11
